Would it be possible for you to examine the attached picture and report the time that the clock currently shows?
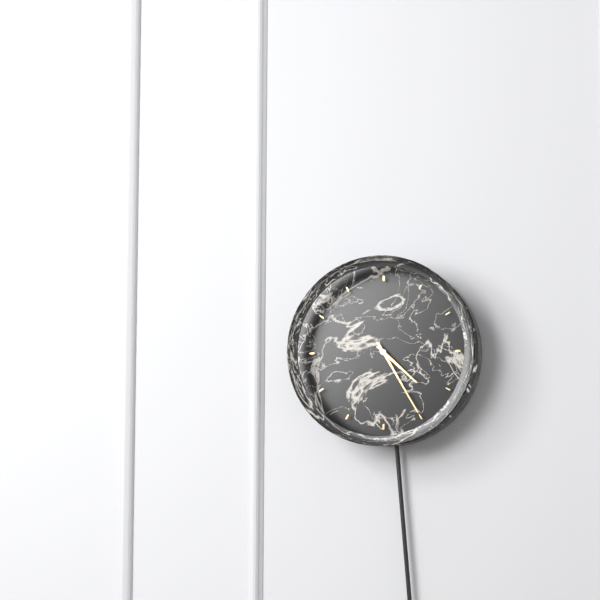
4:25
